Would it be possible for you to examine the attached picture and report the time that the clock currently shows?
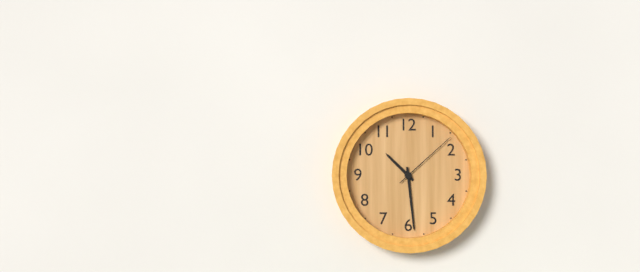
10:29:08
